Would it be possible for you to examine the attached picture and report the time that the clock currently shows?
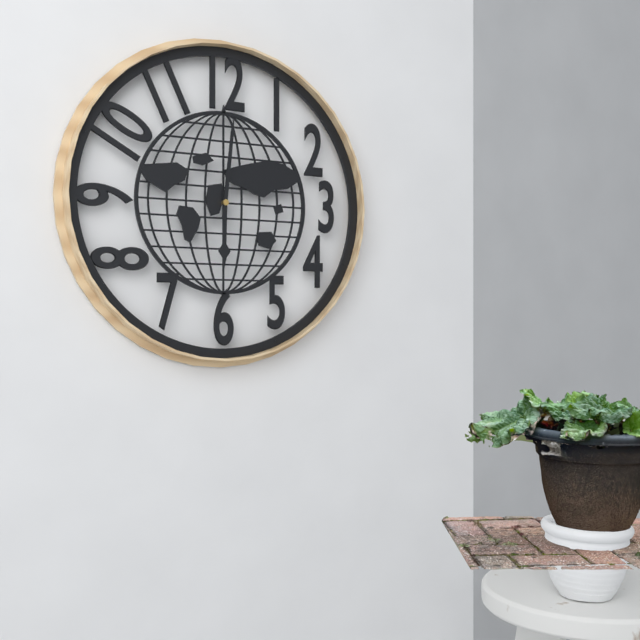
6:01
